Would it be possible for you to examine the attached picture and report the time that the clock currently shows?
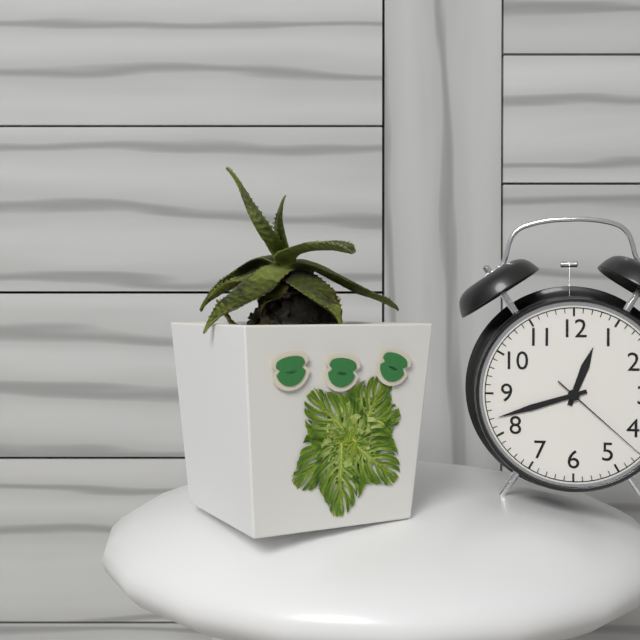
12:42:22
